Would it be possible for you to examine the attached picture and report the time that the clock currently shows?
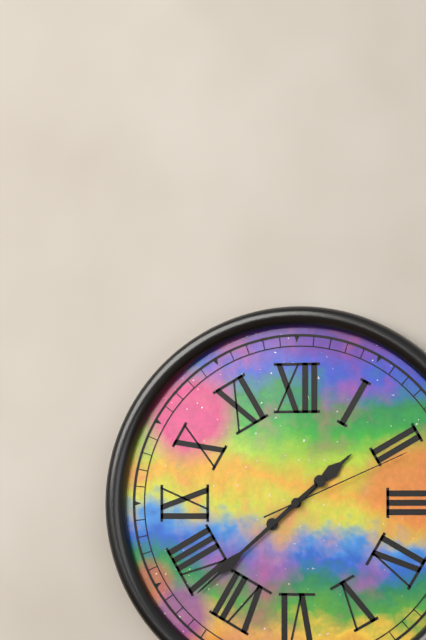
1:38:11
